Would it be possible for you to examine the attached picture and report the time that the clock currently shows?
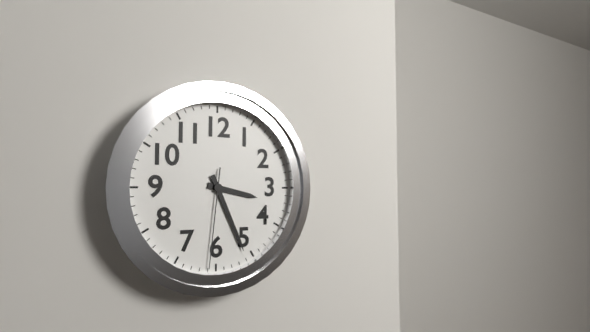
3:26:31
